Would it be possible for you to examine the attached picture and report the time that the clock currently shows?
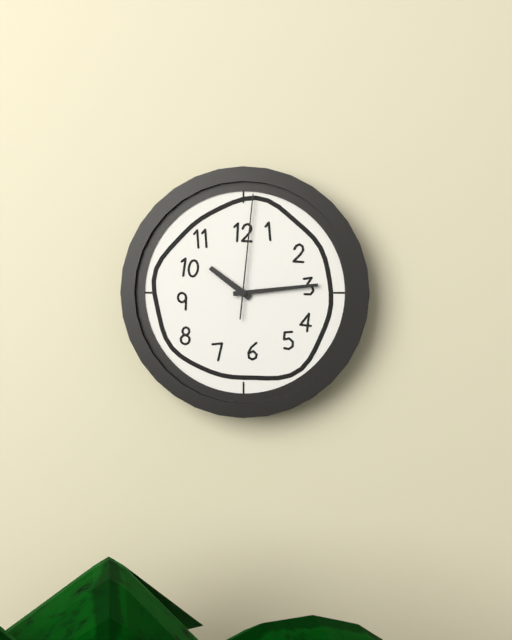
10:14:01
